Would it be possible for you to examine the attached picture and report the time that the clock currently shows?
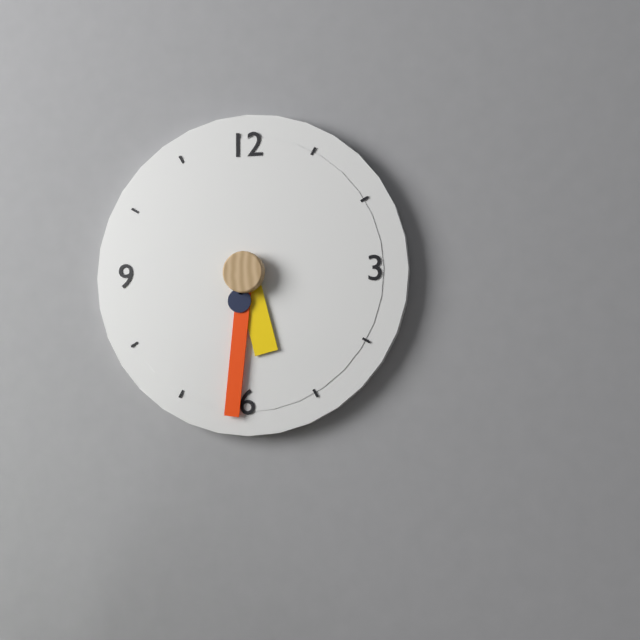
5:31:32
